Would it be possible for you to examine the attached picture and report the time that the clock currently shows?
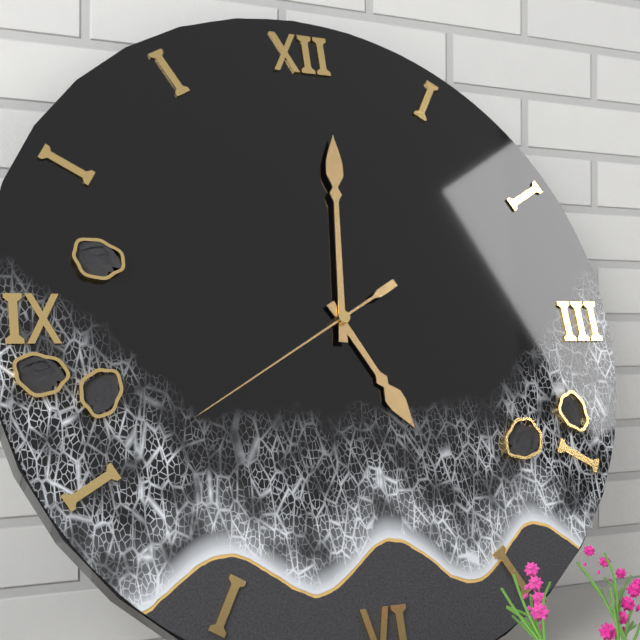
5:01:40
